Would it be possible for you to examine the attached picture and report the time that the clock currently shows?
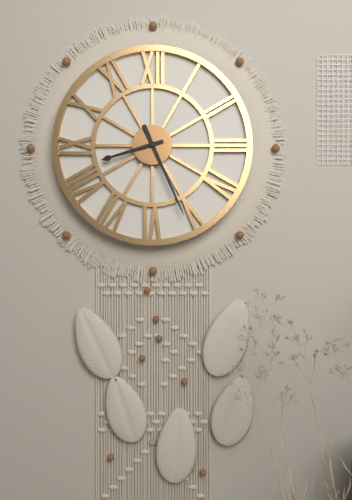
8:26
